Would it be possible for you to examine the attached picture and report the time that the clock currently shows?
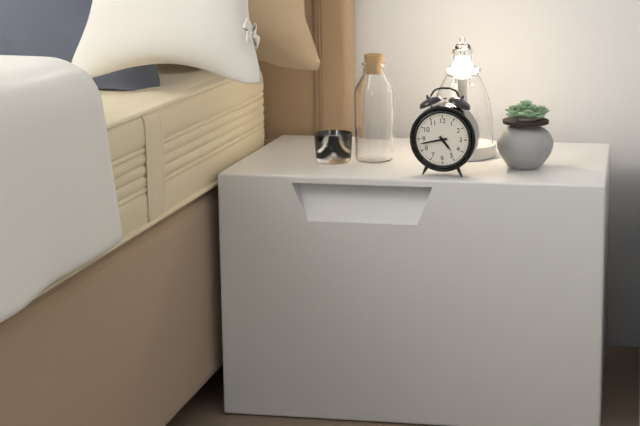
4:43
